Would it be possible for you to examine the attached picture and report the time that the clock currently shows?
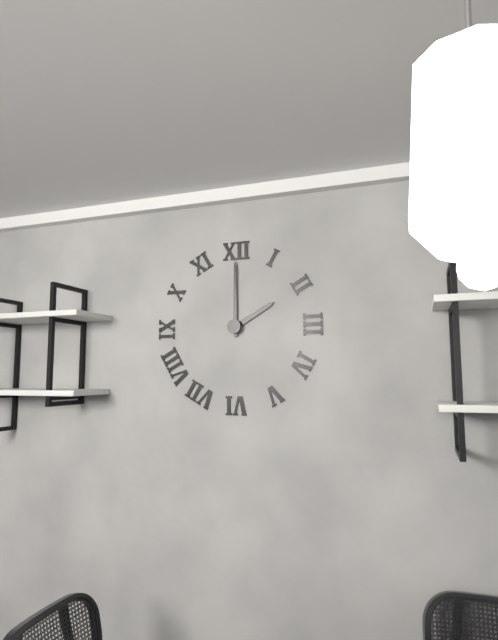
2:00
